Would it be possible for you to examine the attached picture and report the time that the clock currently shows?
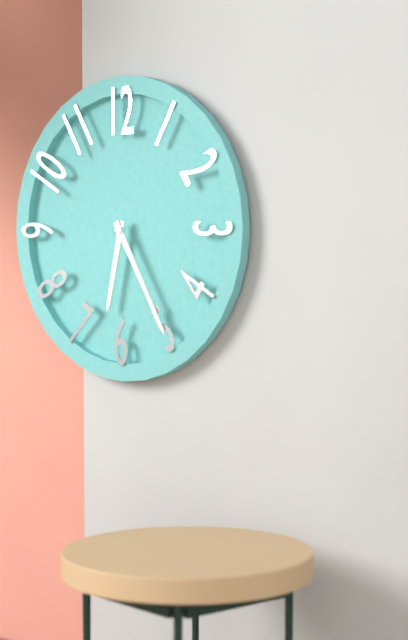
6:25
